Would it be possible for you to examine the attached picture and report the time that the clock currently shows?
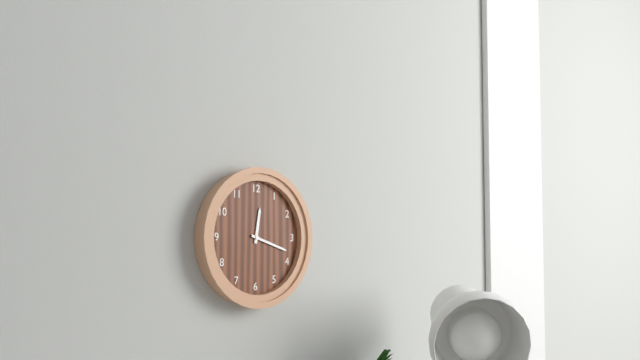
12:18
